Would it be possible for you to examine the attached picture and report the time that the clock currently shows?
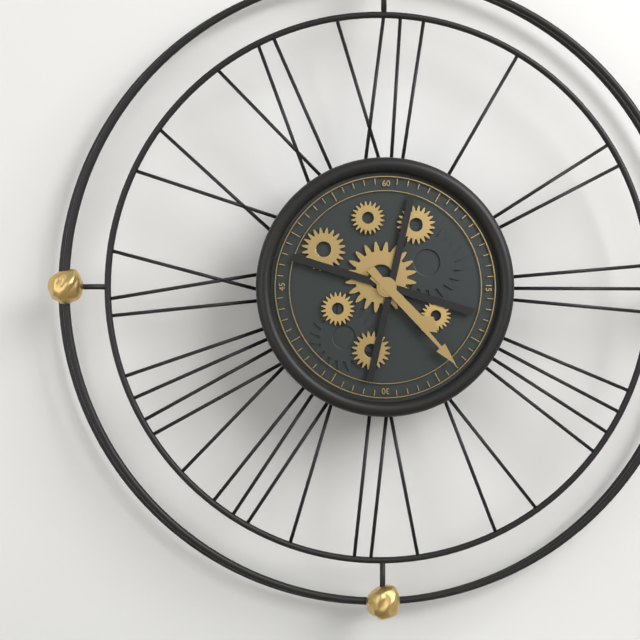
4:23
